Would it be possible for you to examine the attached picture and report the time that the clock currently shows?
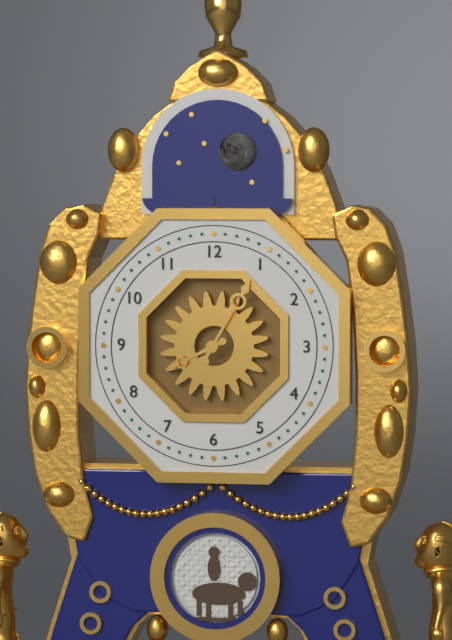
8:05
